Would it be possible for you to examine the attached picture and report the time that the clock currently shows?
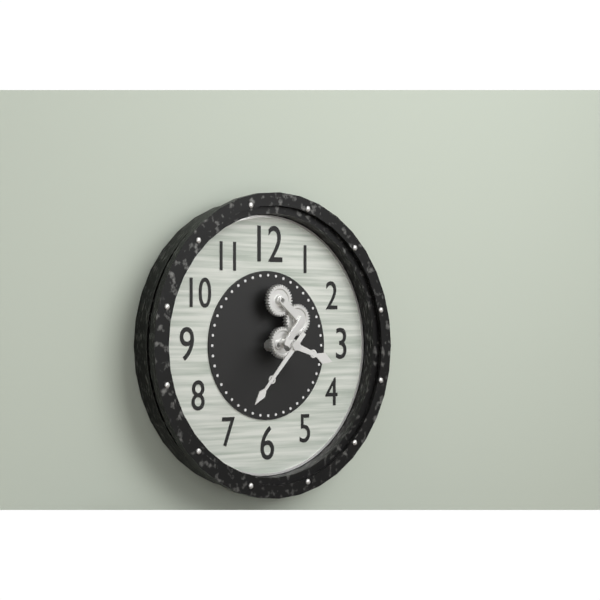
3:37
